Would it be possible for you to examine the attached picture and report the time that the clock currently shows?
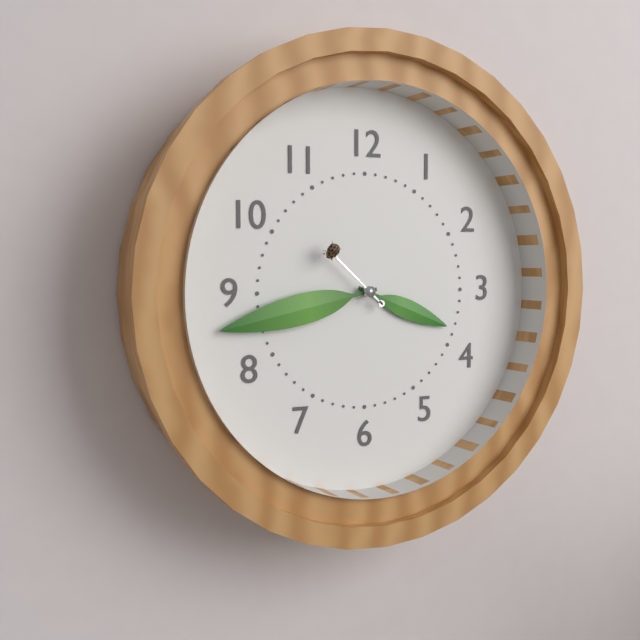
3:43:52
